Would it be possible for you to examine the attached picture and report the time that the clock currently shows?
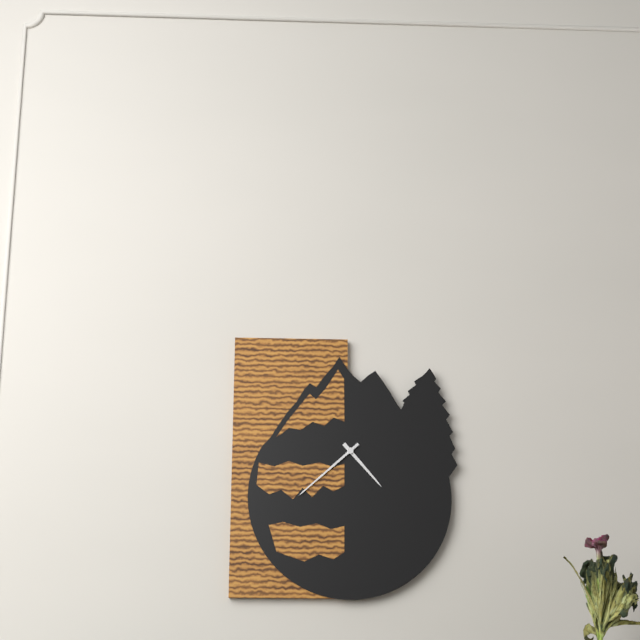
4:38
